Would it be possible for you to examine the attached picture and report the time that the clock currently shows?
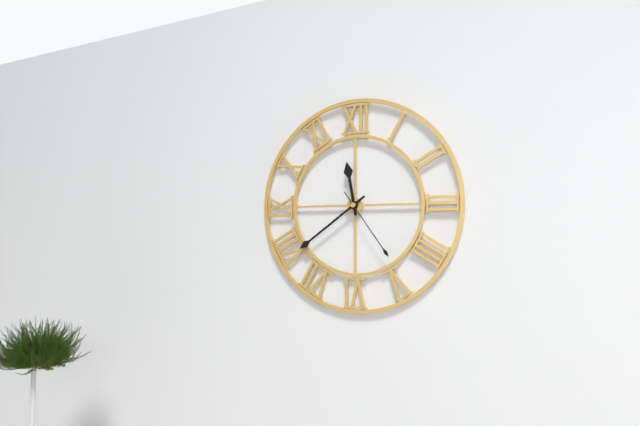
11:39:24
